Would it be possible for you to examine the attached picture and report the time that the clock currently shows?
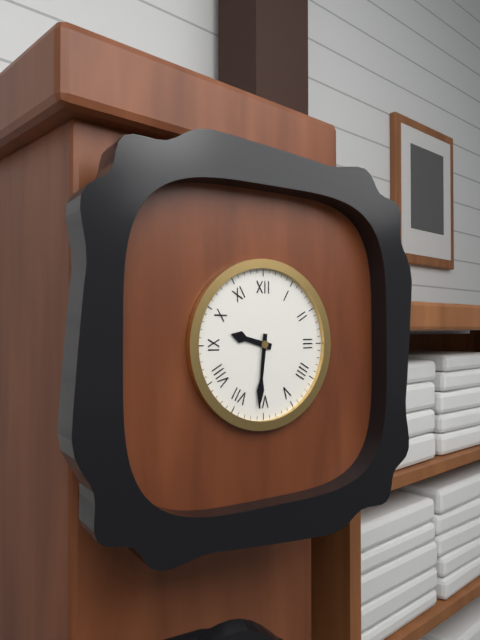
9:31
